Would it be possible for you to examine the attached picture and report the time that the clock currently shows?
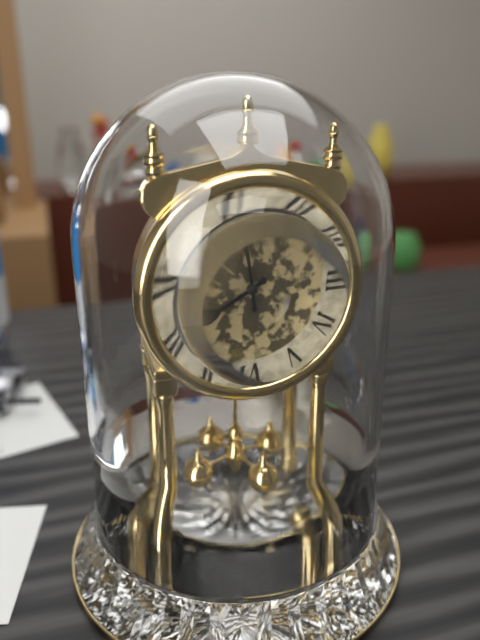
7:59
